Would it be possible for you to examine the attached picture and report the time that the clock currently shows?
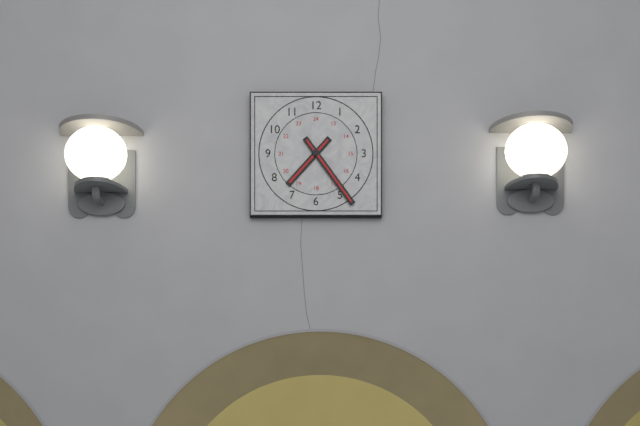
7:24
